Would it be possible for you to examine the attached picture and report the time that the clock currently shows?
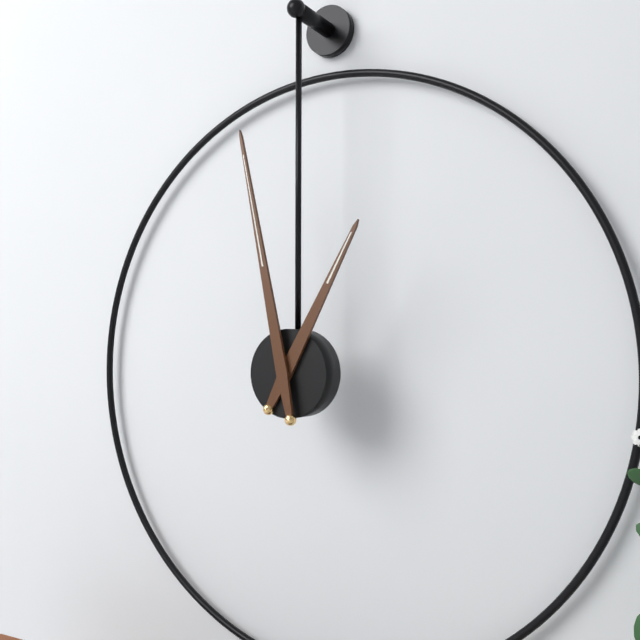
12:58
